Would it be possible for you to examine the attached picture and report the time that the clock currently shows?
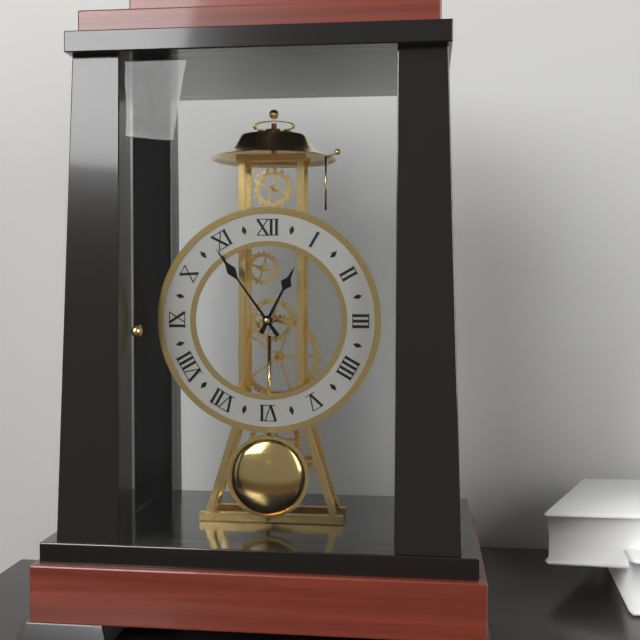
12:54
